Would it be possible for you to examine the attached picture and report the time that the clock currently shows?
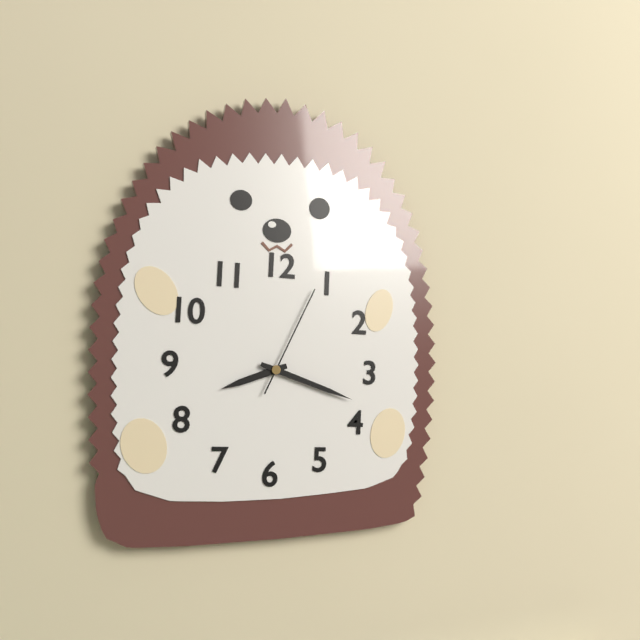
8:18:04
